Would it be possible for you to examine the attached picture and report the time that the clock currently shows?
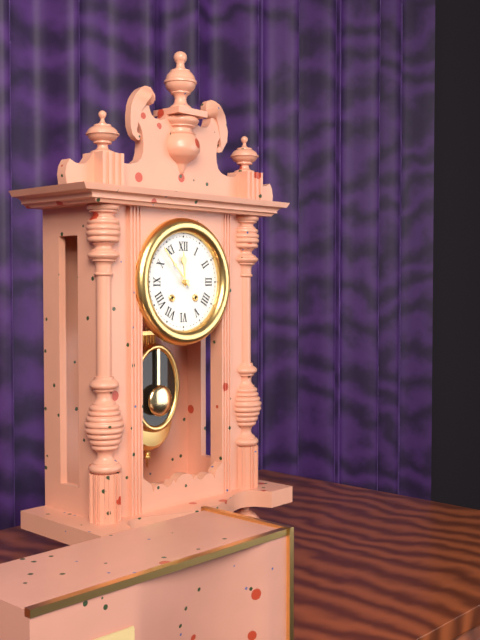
11:53
